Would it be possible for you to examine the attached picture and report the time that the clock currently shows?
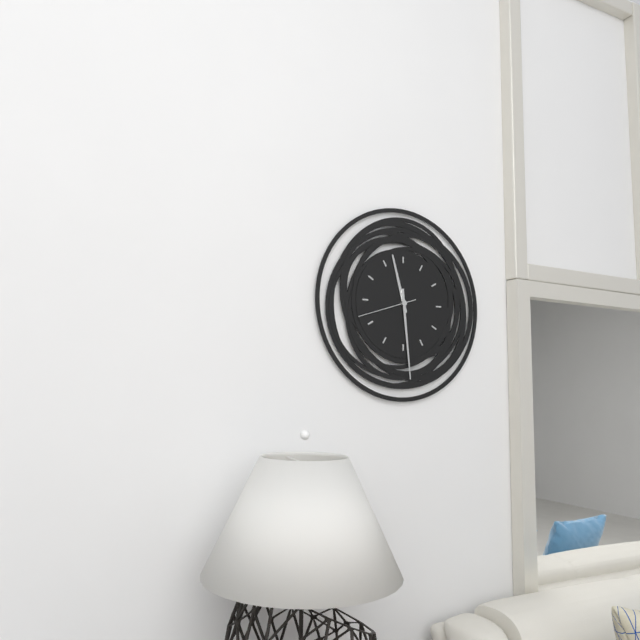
11:29:42
